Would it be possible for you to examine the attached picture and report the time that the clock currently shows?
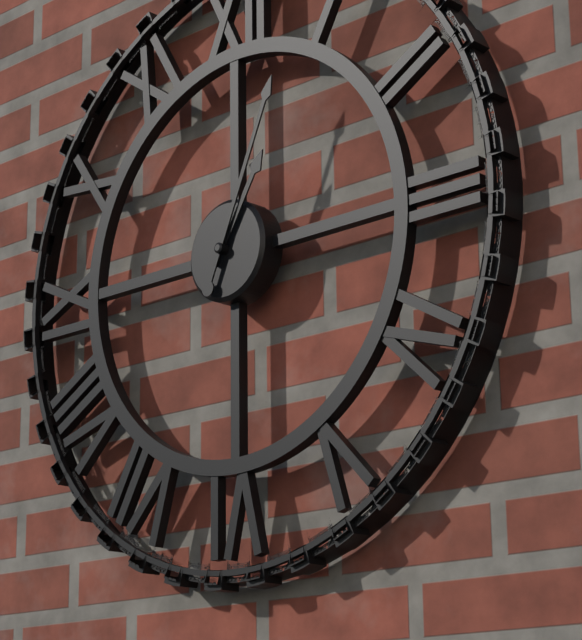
1:04
